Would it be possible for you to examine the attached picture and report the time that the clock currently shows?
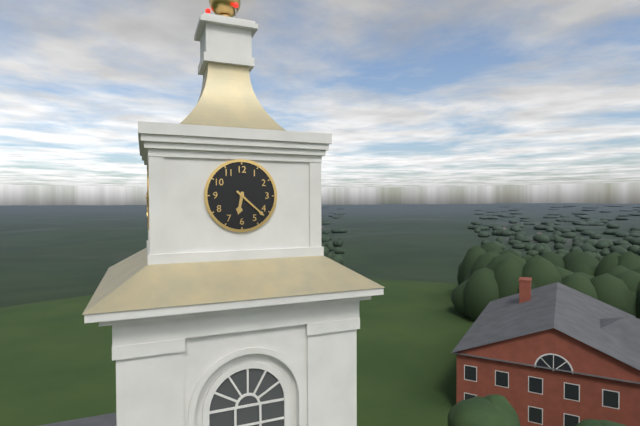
6:22
